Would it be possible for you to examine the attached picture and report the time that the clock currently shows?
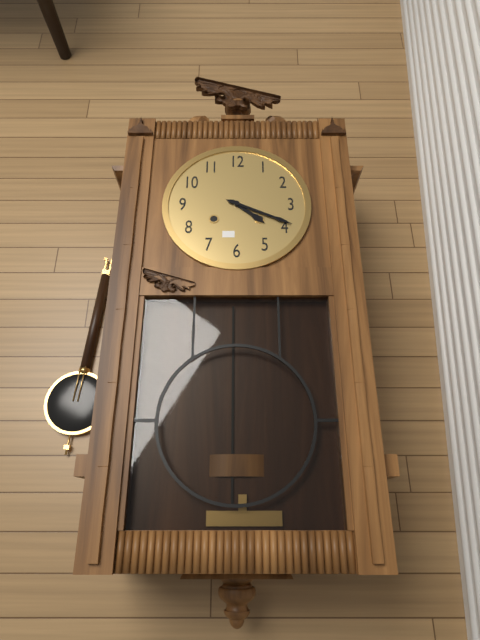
4:19
